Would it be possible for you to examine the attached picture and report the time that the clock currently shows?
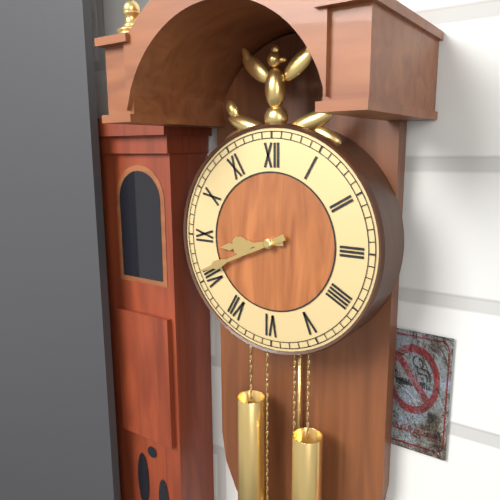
8:41
